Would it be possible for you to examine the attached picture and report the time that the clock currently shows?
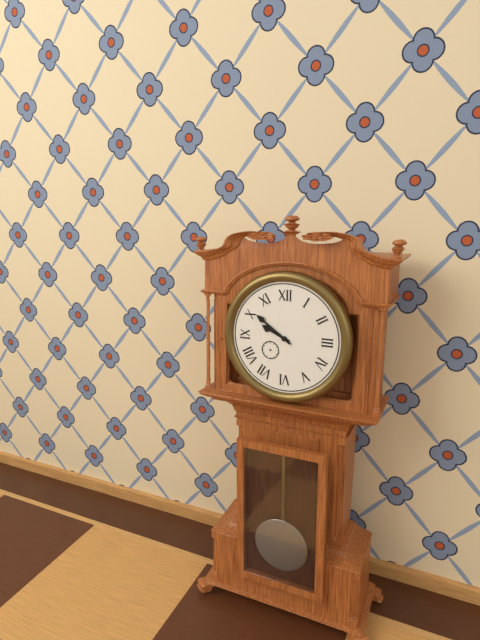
9:51
